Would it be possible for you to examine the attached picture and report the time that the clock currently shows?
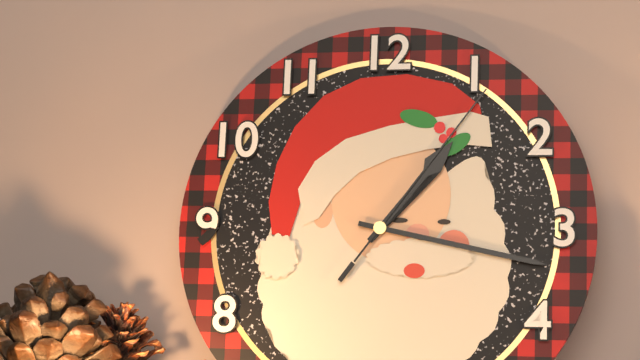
1:17:06
